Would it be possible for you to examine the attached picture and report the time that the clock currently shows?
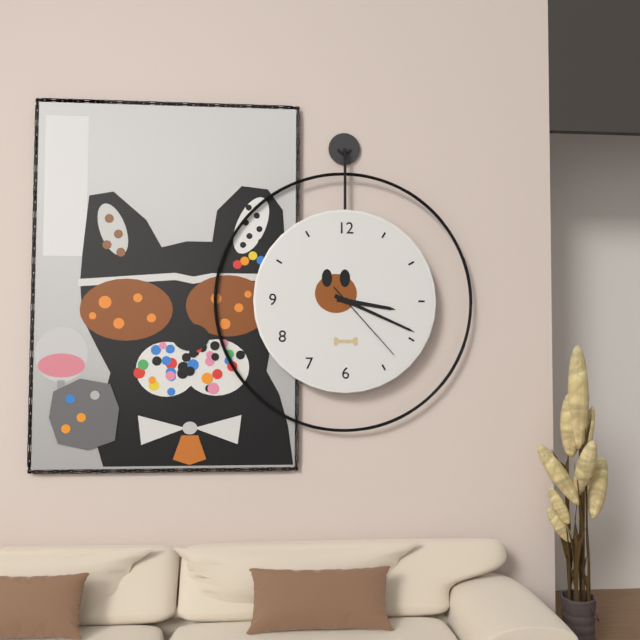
3:19:23
